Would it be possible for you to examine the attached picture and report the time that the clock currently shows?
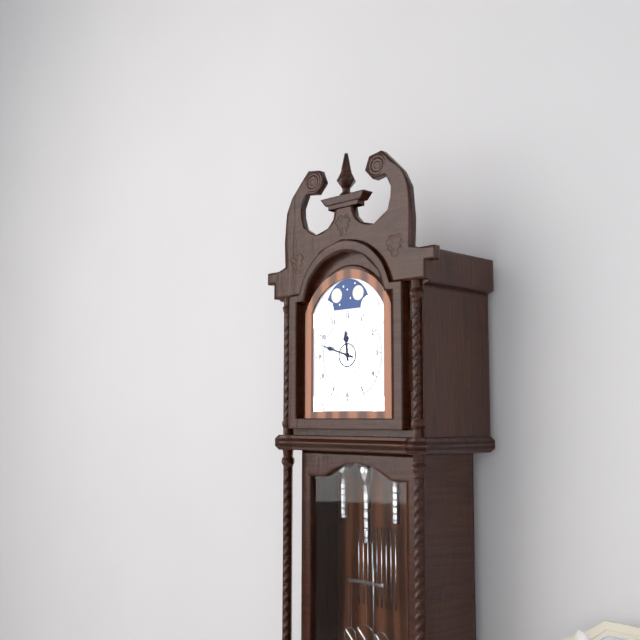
11:48
